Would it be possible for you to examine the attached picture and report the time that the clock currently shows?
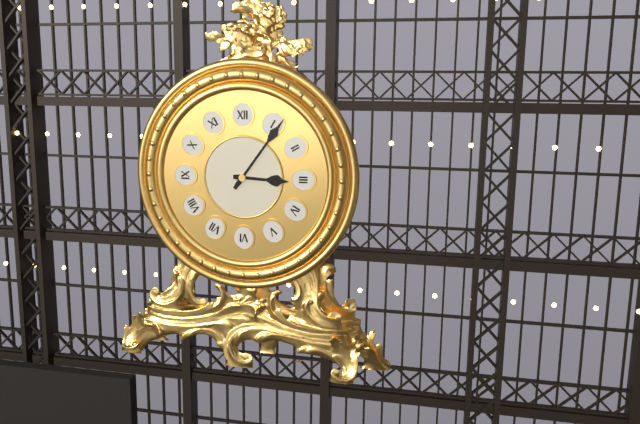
3:06
